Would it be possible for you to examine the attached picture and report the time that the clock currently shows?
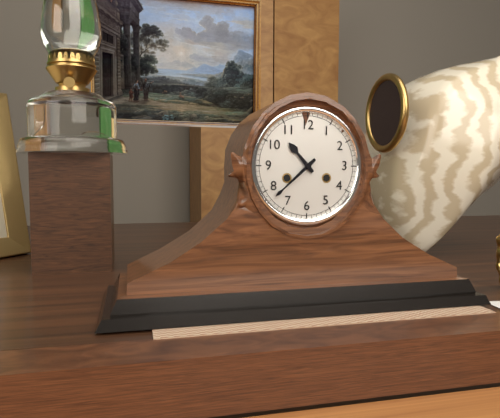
10:38
